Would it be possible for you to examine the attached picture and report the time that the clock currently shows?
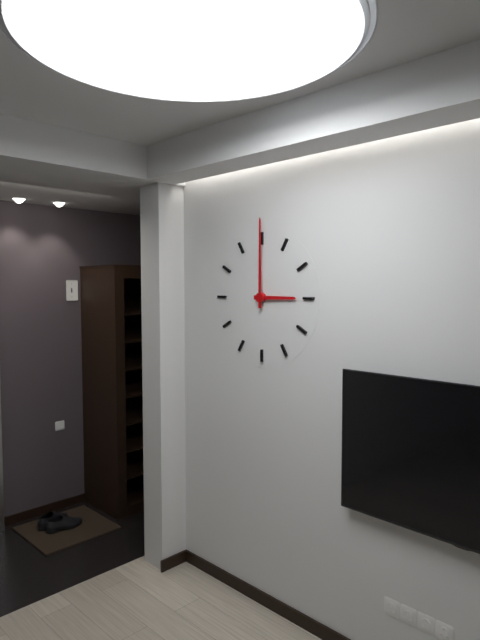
3:00
